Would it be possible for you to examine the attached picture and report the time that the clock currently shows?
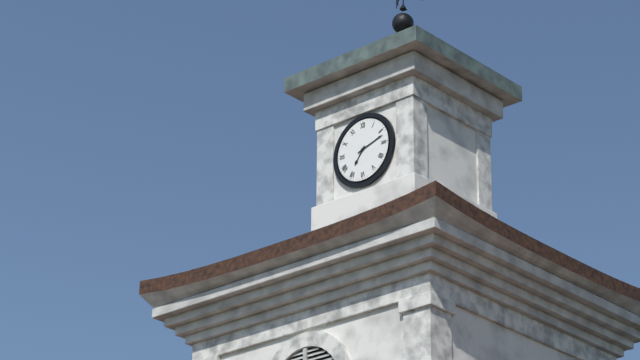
7:12
